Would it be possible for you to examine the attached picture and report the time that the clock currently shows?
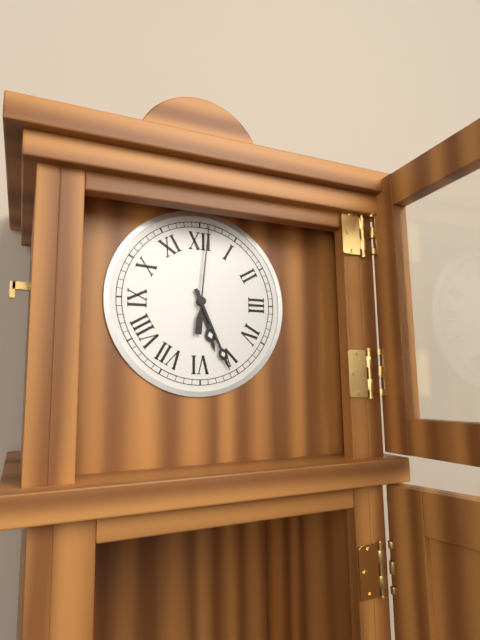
5:26:01
